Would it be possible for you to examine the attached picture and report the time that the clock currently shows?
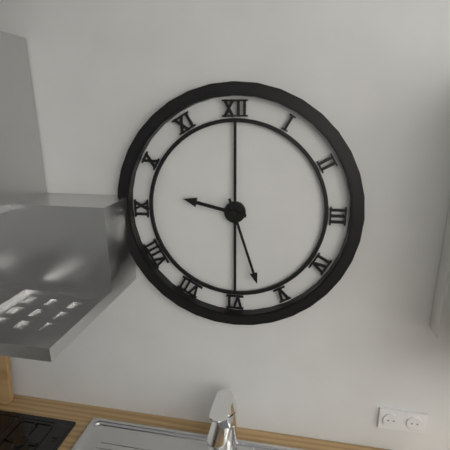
9:27
